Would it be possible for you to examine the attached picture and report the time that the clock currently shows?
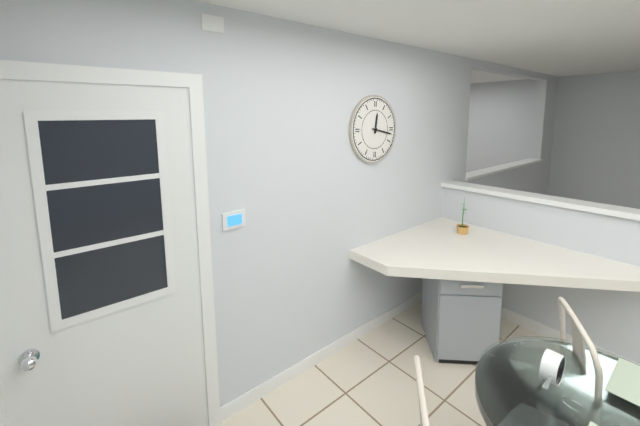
12:17
